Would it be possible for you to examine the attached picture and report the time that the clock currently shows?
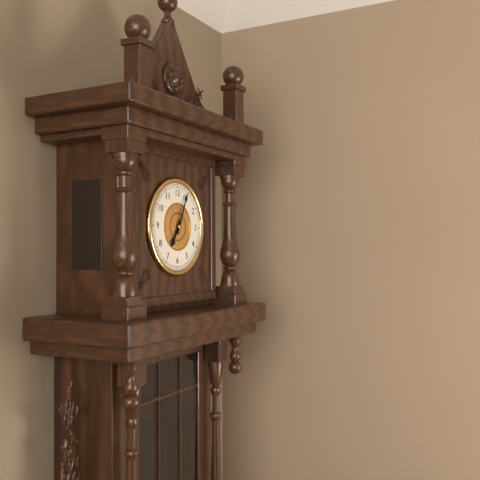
7:04
